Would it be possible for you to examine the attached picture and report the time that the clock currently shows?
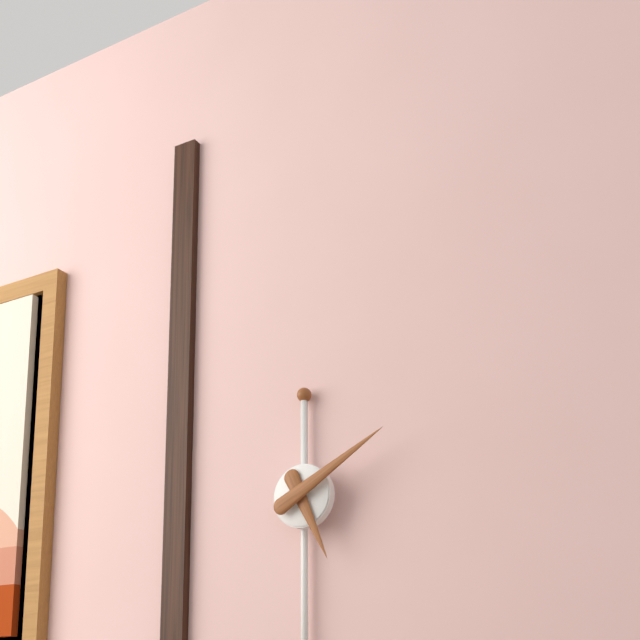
5:10
